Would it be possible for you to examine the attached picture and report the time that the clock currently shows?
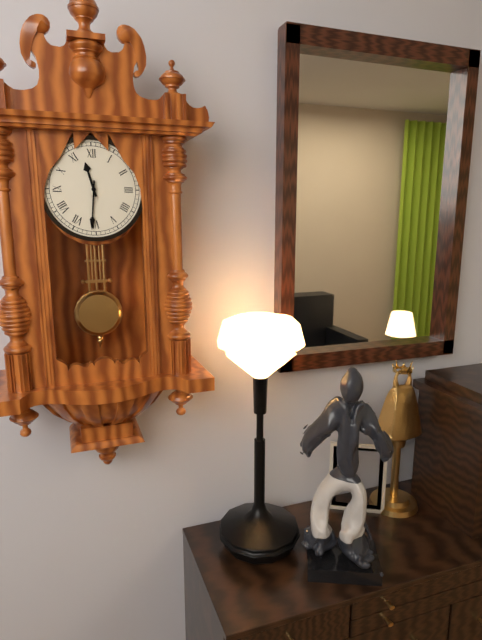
11:31
